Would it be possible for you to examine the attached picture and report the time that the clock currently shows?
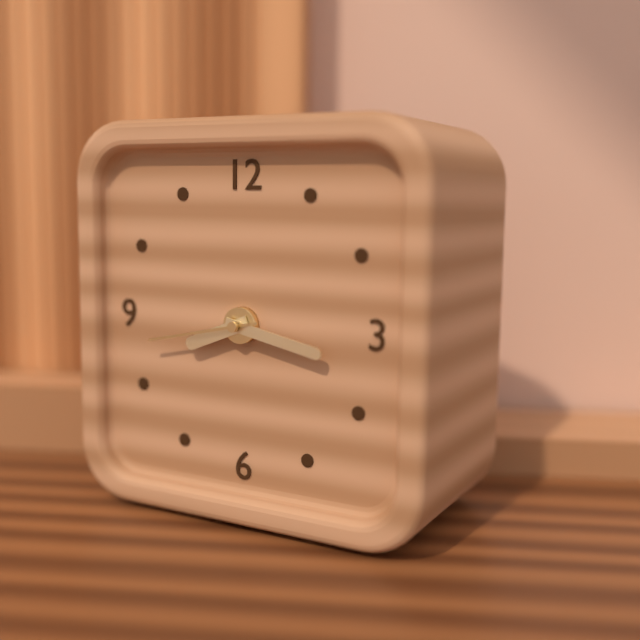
8:17:43
